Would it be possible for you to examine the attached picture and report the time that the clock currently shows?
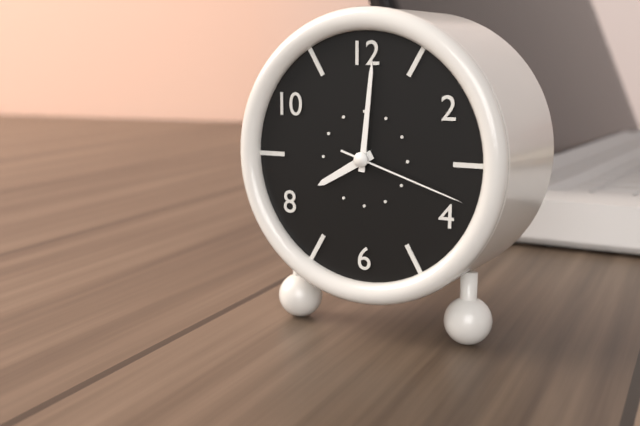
8:01:18
